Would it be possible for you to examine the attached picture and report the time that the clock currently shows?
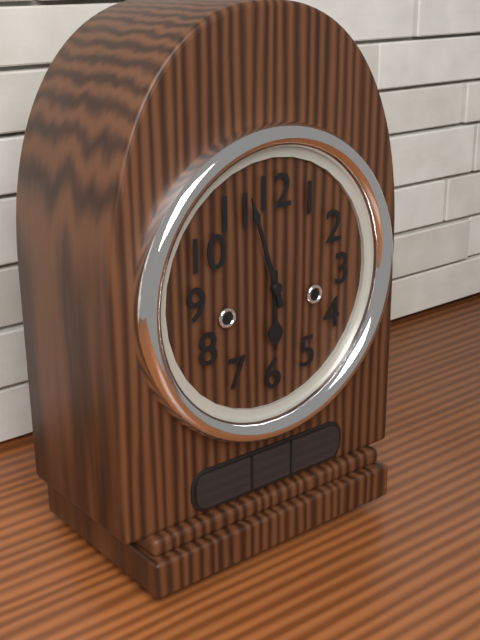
5:57
